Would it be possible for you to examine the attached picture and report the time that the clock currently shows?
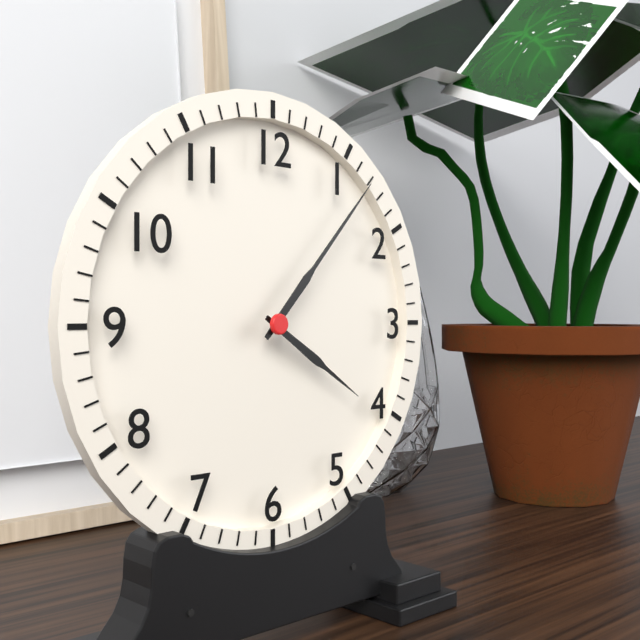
4:07
